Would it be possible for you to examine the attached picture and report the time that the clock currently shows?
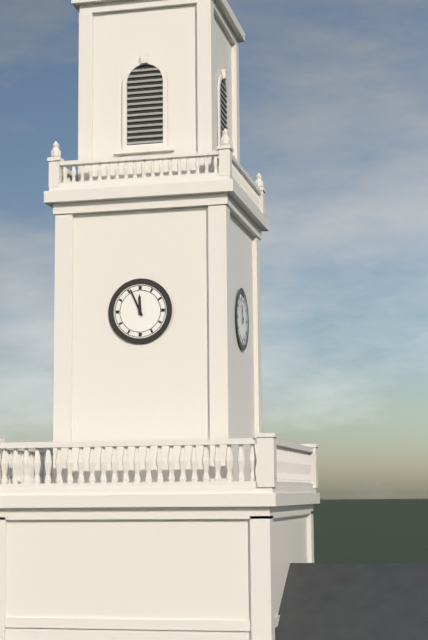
11:56
